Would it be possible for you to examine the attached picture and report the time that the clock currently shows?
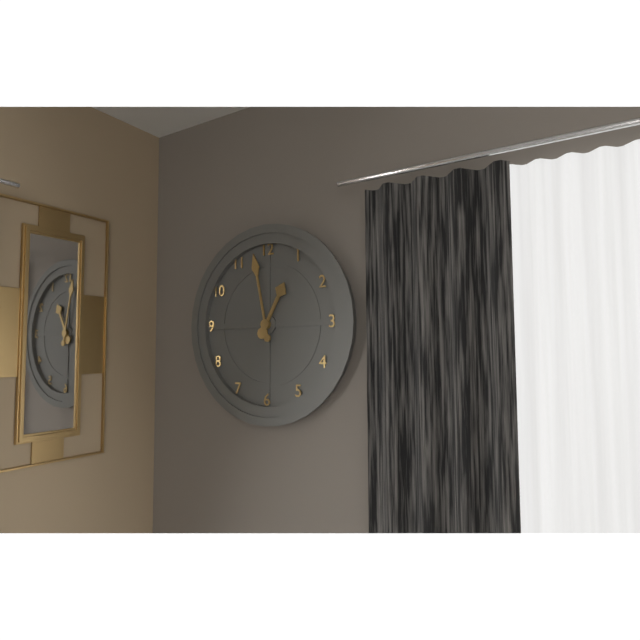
12:58
